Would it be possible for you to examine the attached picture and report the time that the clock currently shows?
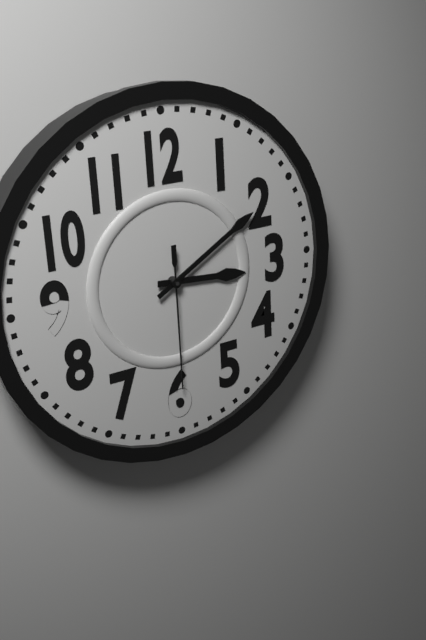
3:10:30
